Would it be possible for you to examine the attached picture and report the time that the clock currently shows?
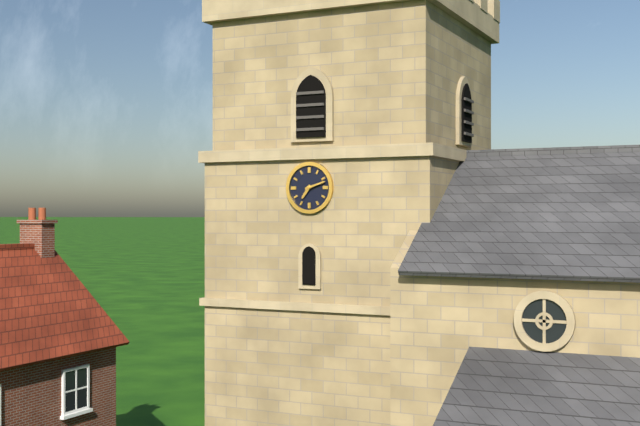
7:12
